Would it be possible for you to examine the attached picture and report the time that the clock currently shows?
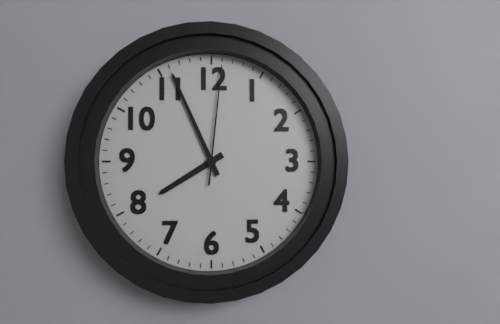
7:56:01
